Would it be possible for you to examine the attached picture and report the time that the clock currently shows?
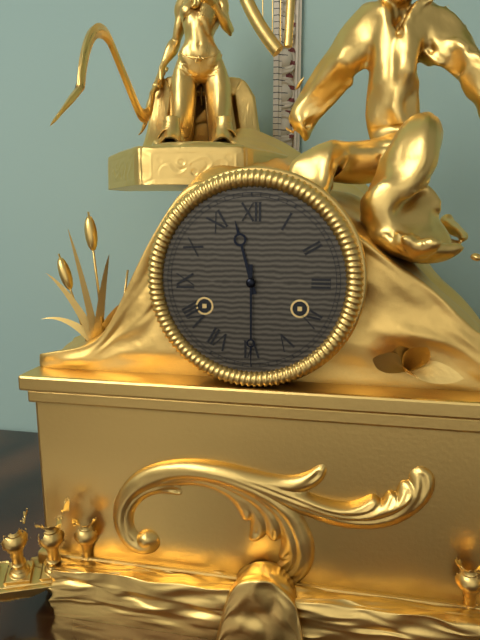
11:30
